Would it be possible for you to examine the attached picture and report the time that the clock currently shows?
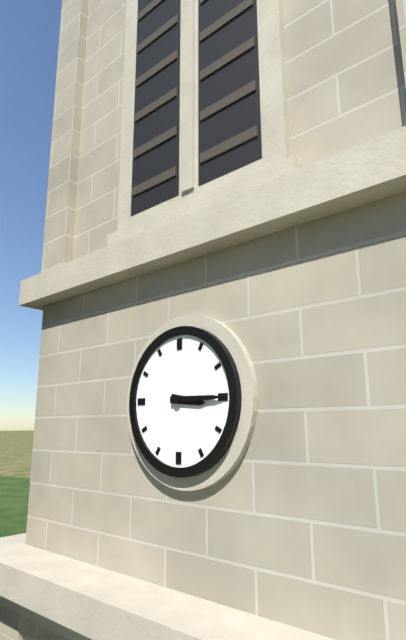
3:15
